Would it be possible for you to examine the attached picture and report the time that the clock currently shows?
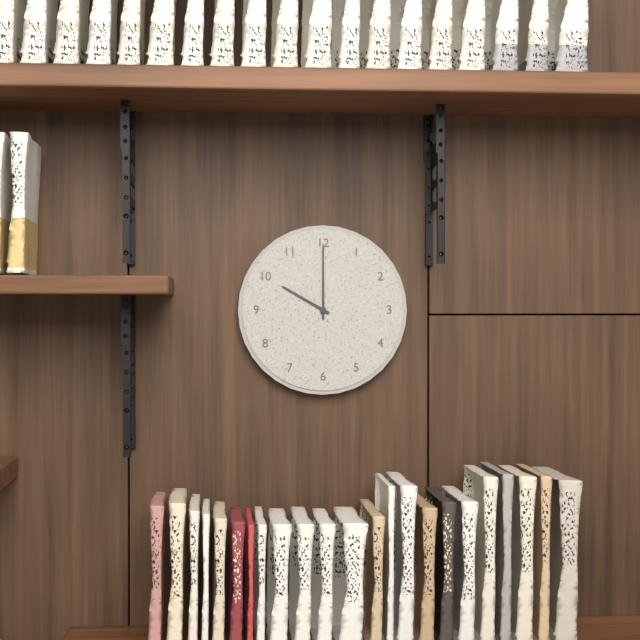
10:00
